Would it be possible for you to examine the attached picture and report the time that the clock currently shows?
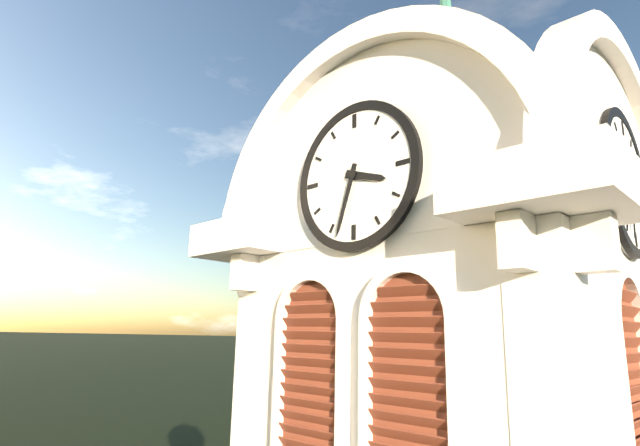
3:33
